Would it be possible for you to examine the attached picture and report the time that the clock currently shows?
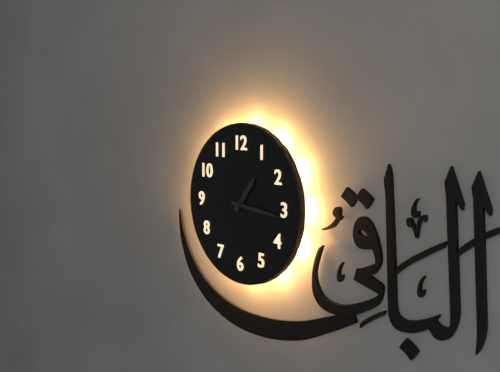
1:16
